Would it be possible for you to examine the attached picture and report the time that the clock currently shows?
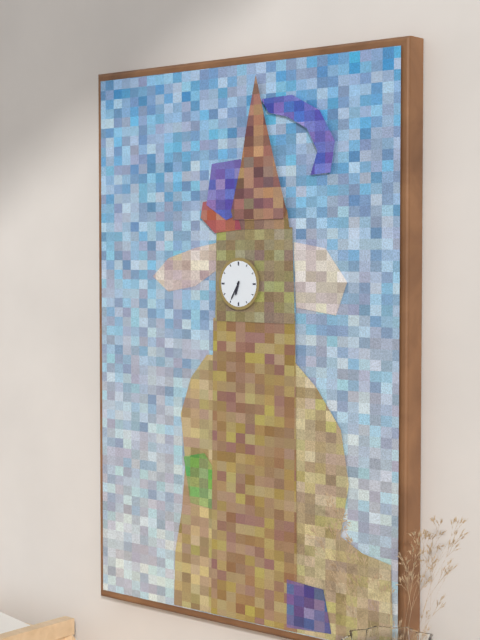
6:35
